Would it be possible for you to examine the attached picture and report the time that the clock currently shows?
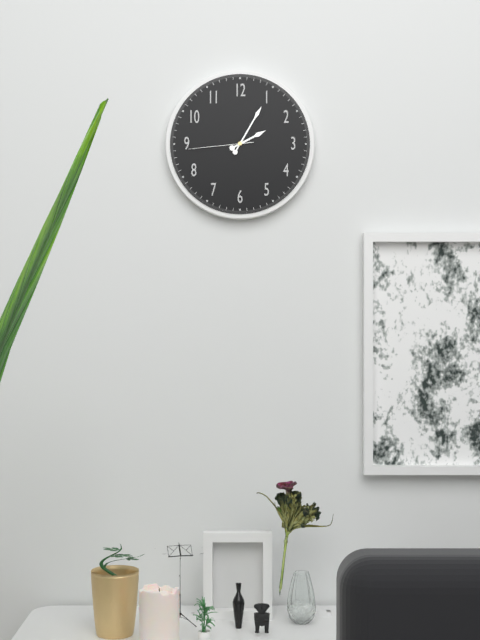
2:05:44
